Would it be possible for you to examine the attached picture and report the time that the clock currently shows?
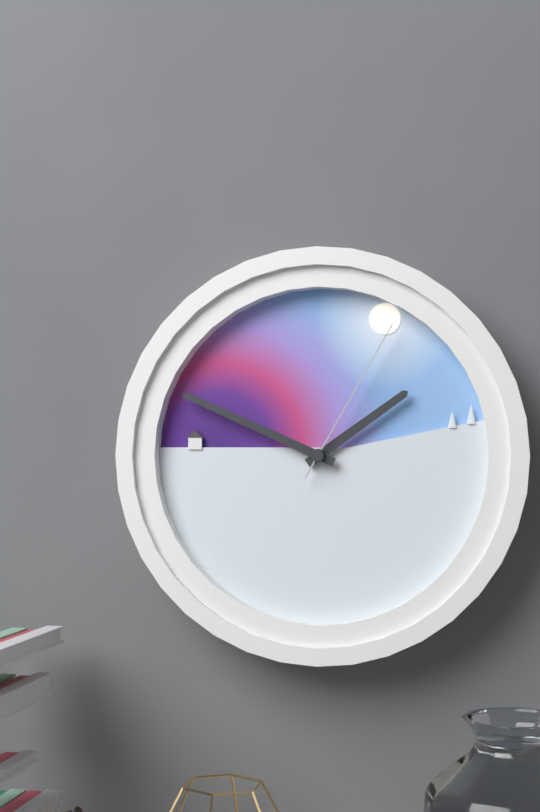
1:49:05
